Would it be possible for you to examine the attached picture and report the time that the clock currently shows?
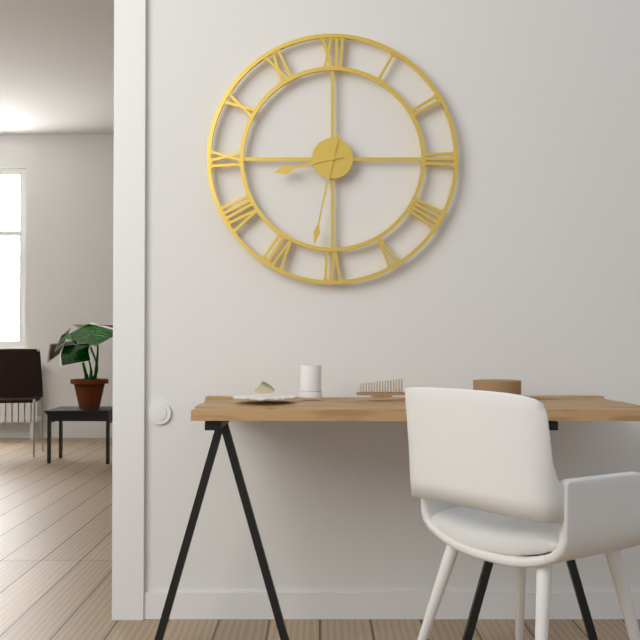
8:32
